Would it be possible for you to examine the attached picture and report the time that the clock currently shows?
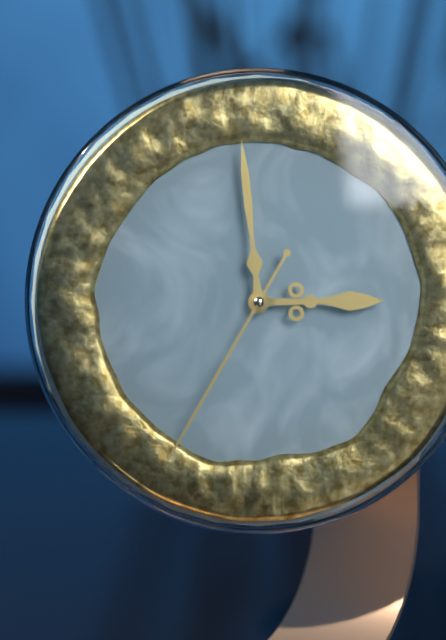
2:59:35
